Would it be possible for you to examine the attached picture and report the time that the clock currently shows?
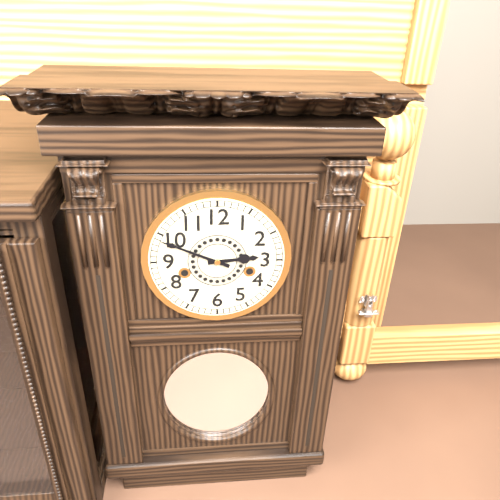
2:49
